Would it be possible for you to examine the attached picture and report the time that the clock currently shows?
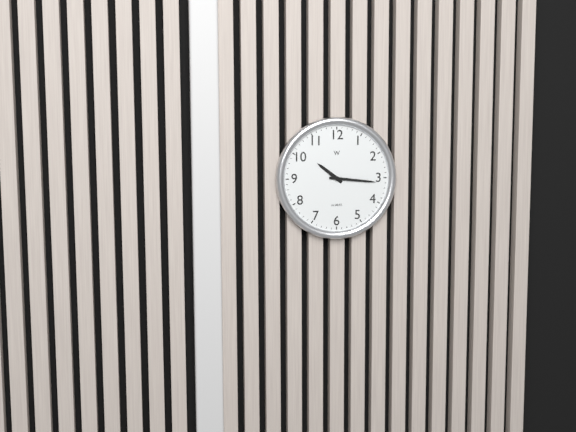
10:16
